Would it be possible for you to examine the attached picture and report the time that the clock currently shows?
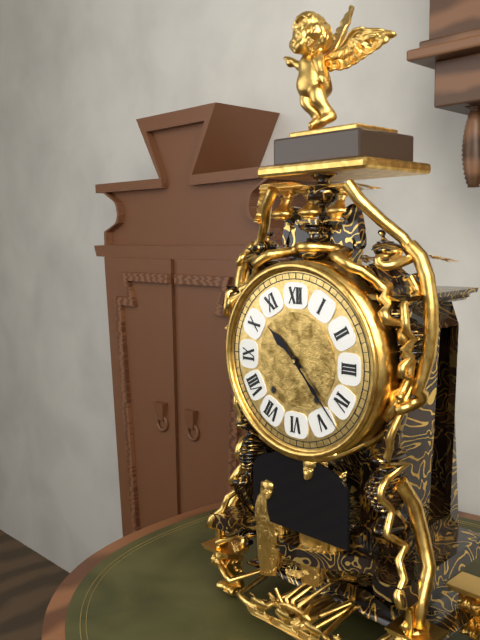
10:23
